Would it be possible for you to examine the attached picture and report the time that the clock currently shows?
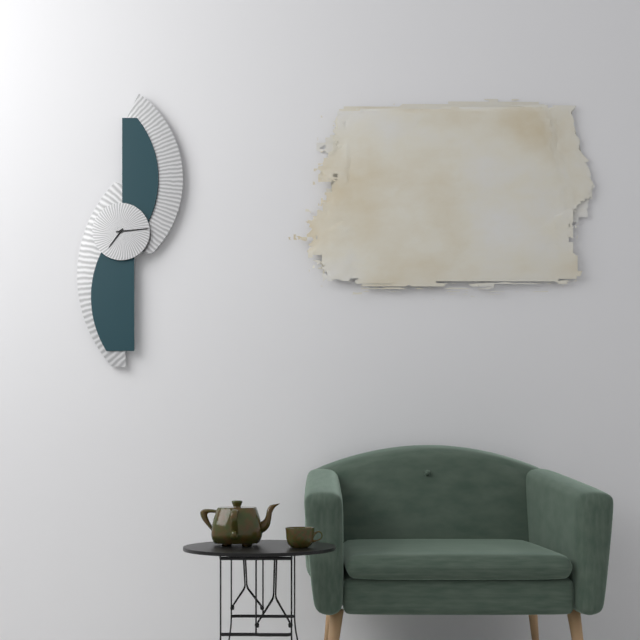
7:14
